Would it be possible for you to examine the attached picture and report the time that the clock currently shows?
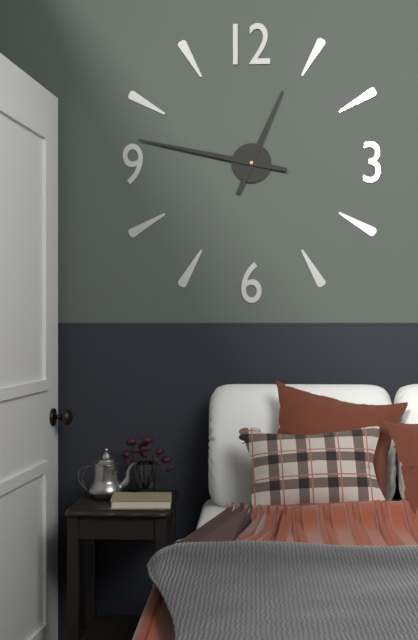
12:47
